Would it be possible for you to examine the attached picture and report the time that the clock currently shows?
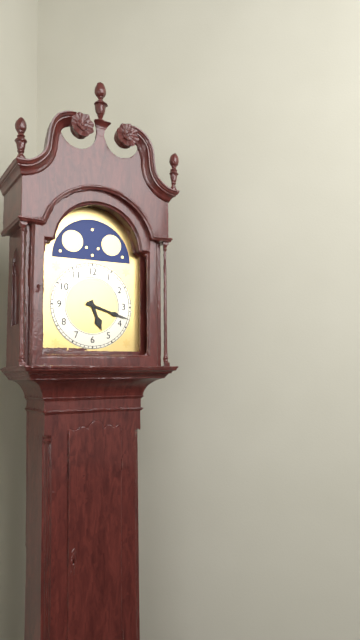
5:18
